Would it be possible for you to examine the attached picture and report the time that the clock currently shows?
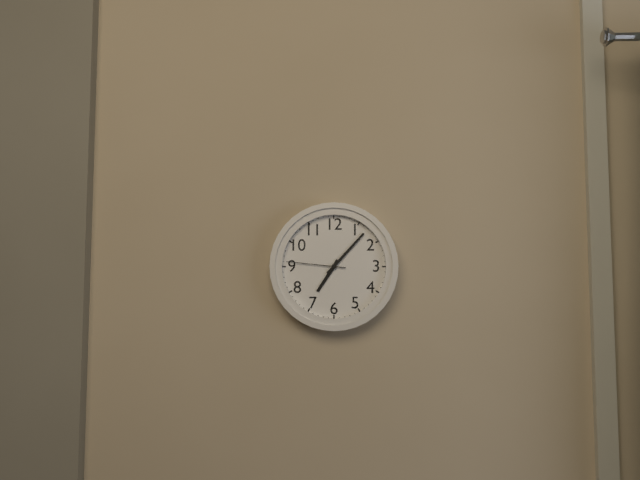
7:07:46
